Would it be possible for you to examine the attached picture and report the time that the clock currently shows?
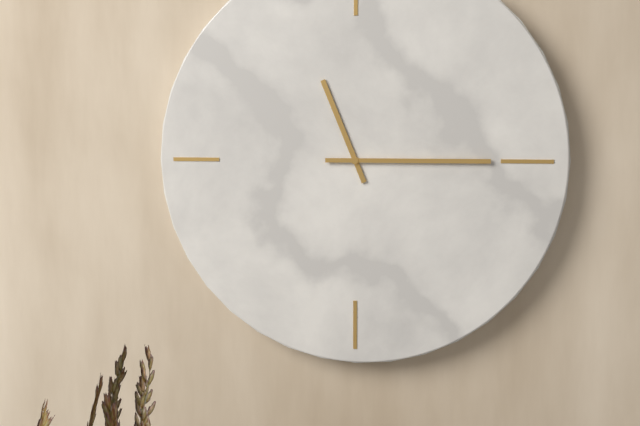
11:15
